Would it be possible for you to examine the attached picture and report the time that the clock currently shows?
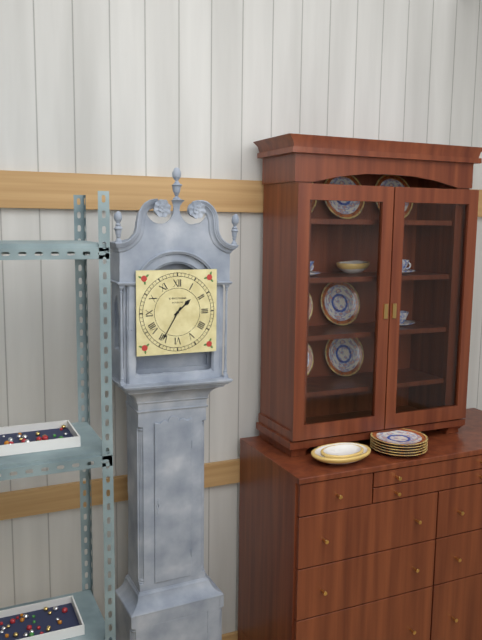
1:35
